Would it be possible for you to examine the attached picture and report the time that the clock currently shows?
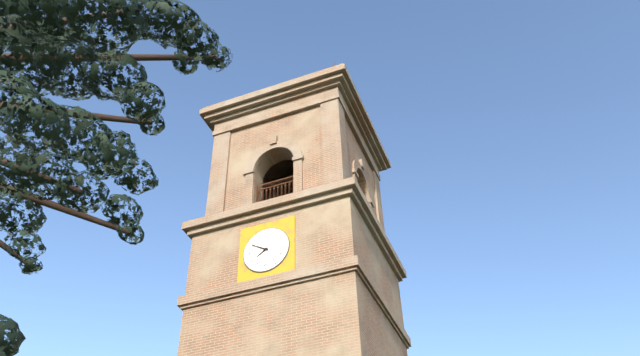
7:50
